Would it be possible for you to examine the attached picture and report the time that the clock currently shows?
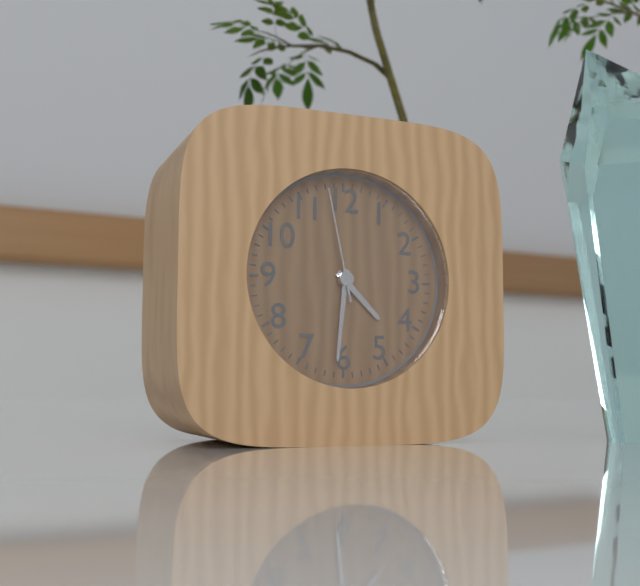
4:31:58
